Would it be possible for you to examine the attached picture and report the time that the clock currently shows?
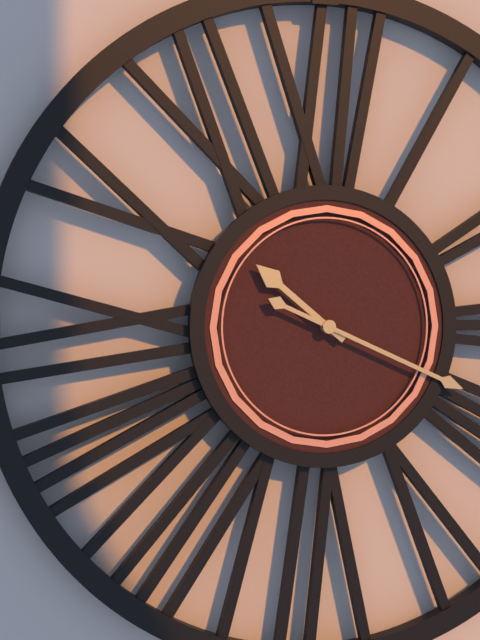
10:19
